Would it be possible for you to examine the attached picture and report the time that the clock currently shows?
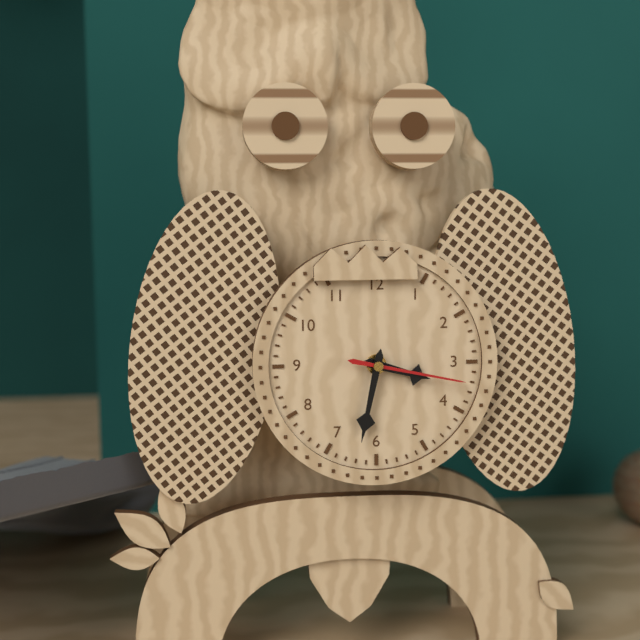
3:32:17
